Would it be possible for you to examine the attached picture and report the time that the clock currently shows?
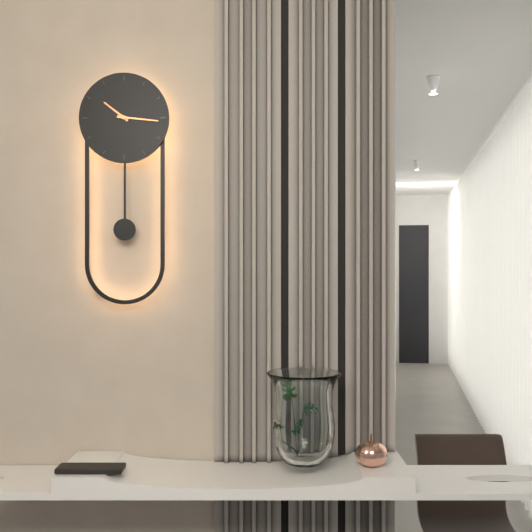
10:16
